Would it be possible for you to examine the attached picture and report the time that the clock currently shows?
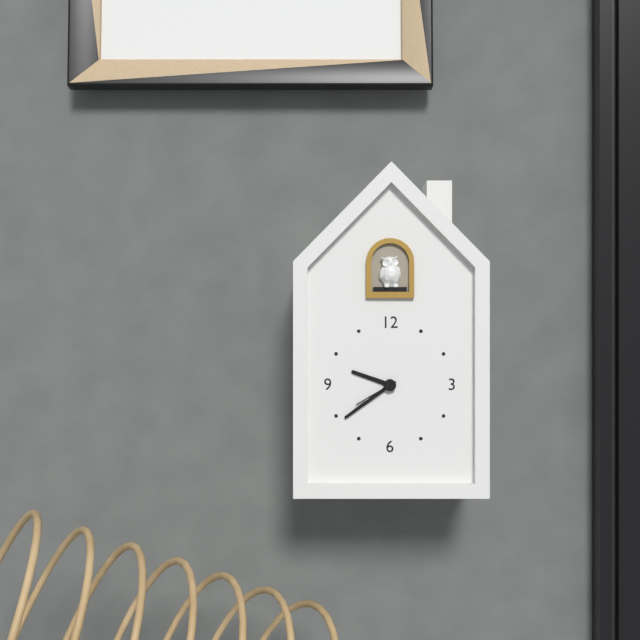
9:39
